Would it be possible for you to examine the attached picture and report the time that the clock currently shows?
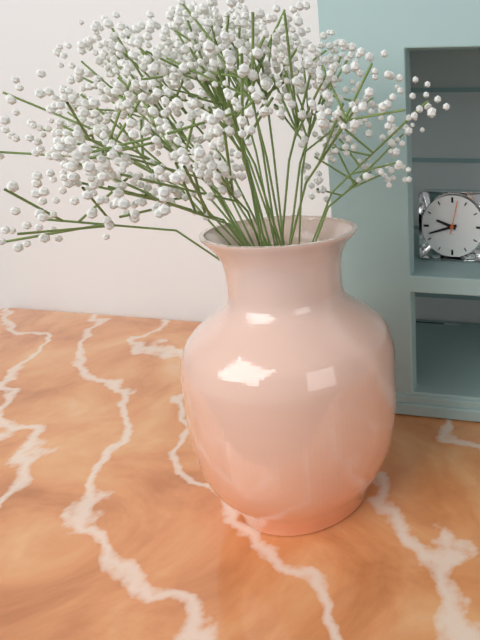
9:42
